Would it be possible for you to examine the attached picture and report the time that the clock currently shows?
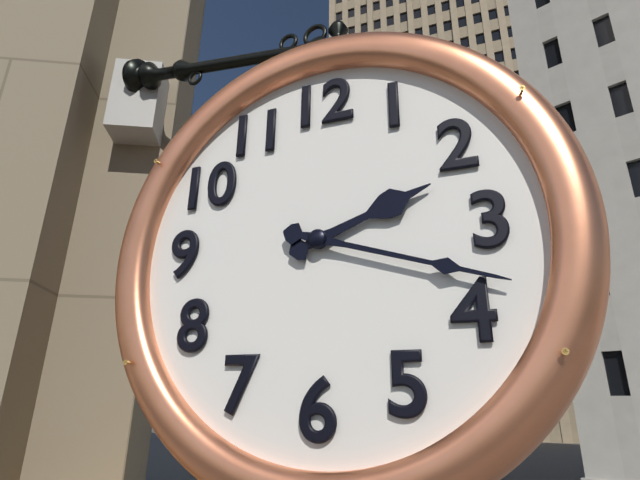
2:18
